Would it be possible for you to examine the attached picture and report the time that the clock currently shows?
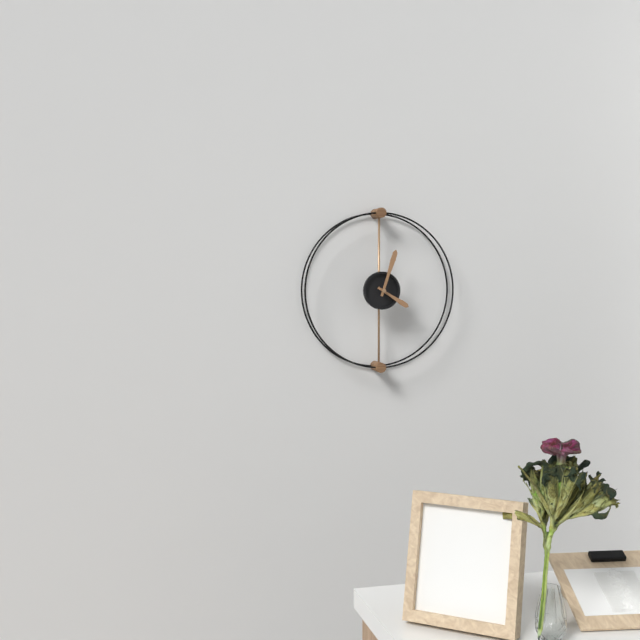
4:03
